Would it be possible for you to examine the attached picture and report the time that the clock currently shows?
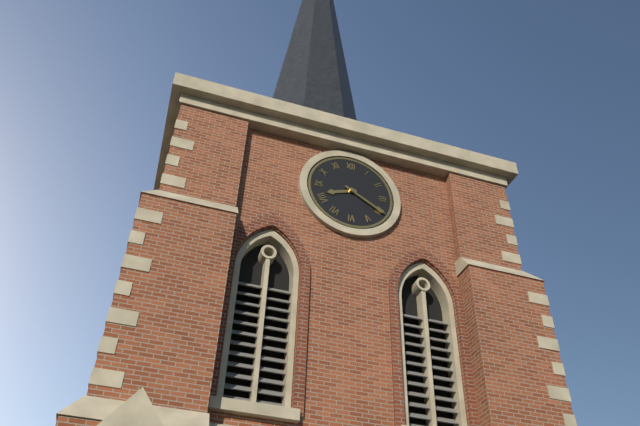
8:20
